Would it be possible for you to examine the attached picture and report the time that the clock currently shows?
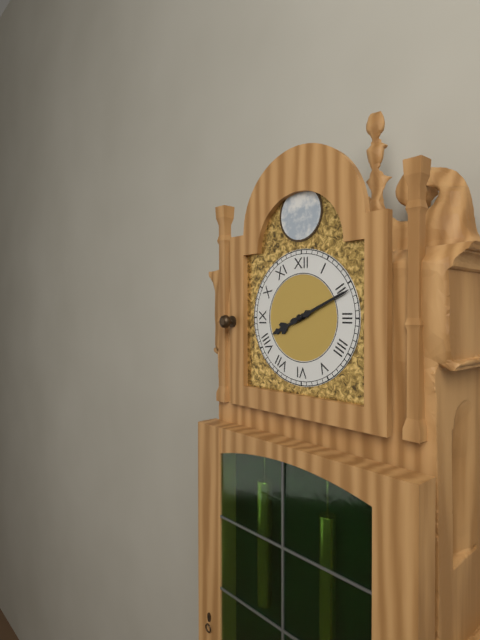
8:11
